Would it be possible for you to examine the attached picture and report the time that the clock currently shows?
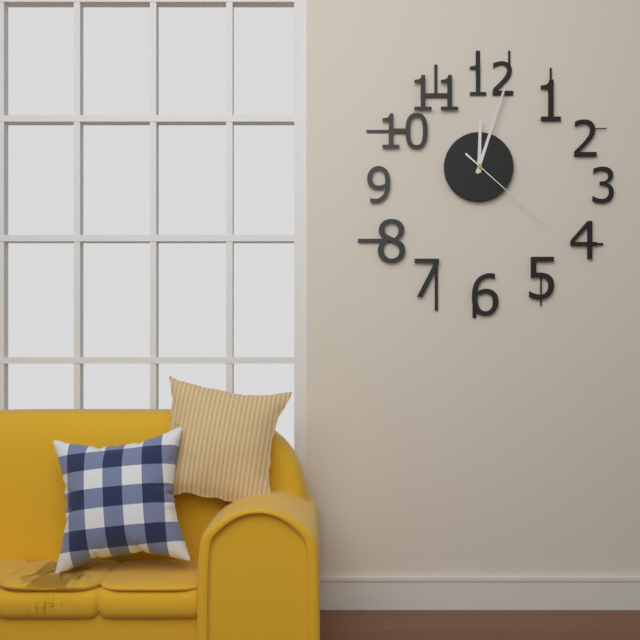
12:03:22
